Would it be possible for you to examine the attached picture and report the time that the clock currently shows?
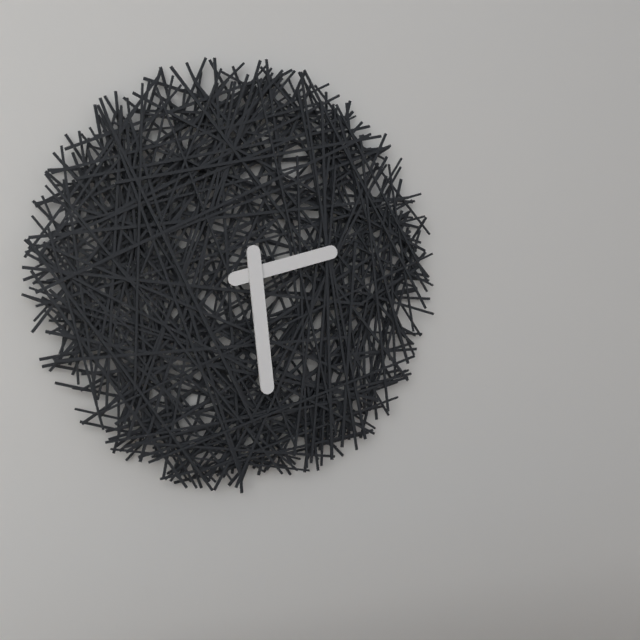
2:29
